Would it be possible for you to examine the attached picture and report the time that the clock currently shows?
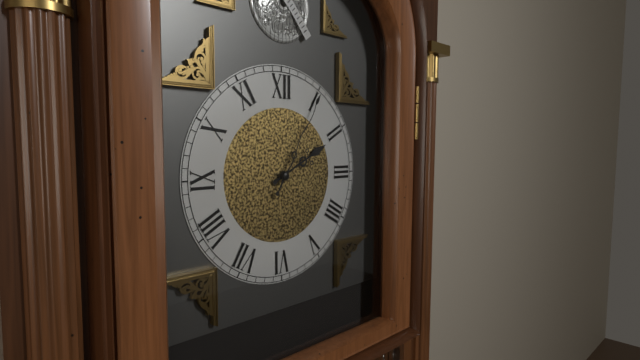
2:05
